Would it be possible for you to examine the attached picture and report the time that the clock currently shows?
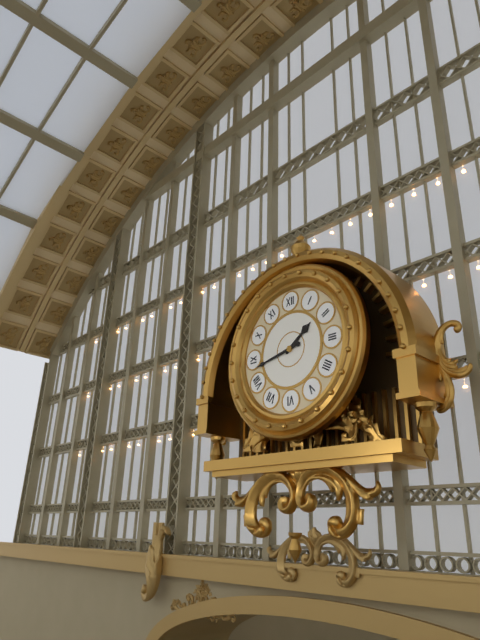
1:43
